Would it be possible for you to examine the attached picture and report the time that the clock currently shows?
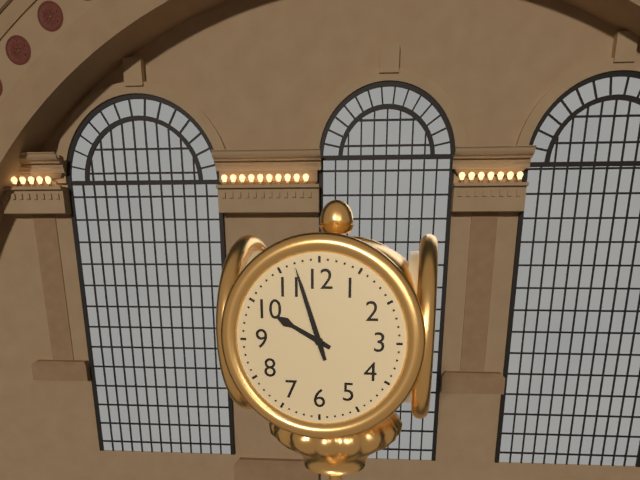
9:57
